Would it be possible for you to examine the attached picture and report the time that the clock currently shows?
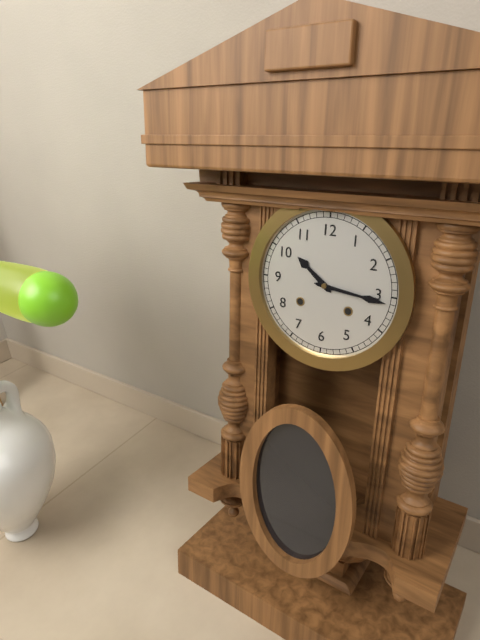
10:16
